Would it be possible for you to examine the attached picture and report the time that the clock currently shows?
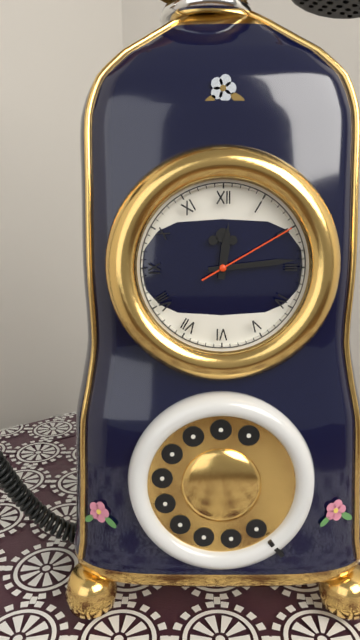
12:14:10
